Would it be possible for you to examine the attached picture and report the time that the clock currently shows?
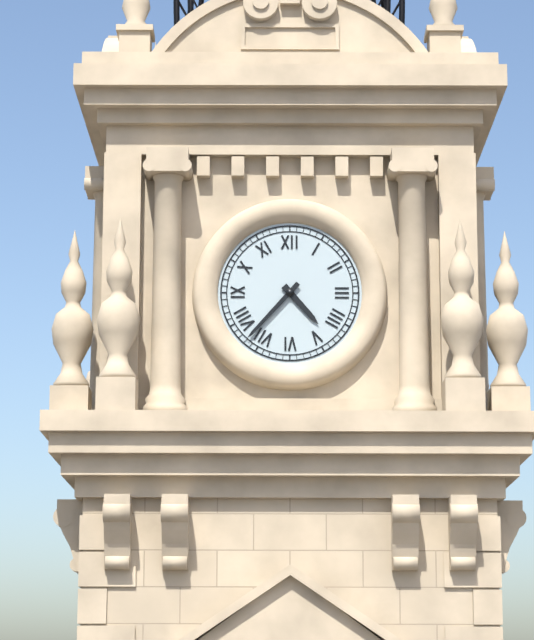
4:37
